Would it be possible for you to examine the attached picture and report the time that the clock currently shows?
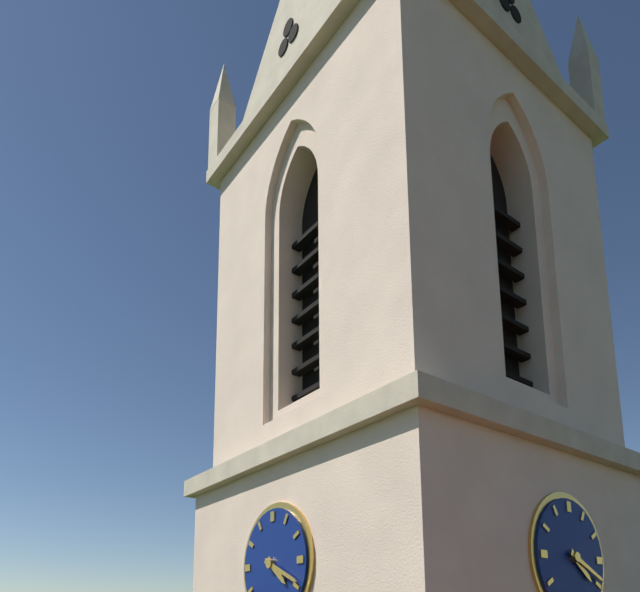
4:19
